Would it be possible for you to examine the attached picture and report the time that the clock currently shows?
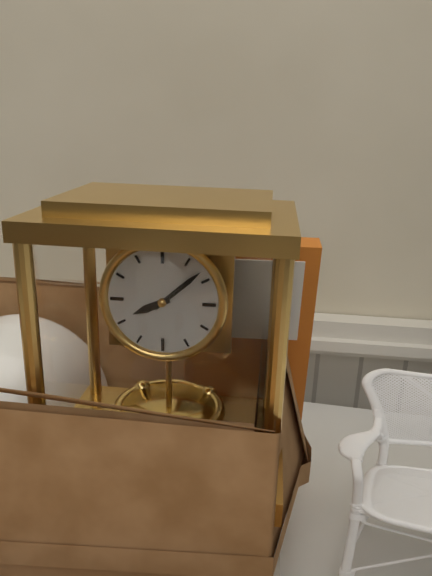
8:08
